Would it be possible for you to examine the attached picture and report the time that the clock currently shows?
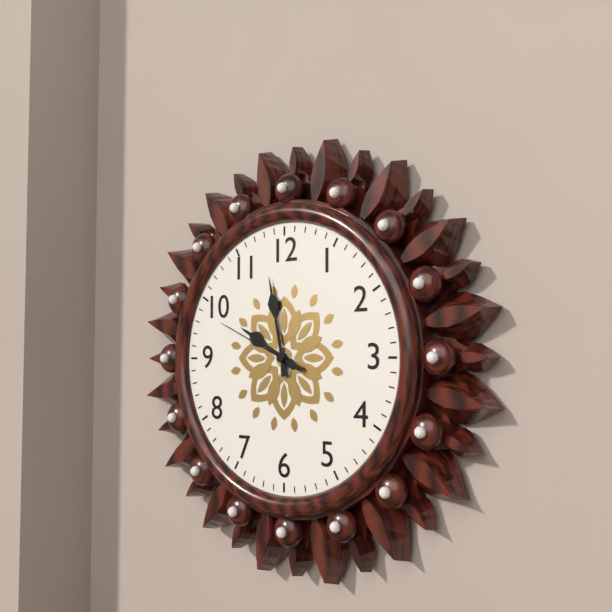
9:58:49
